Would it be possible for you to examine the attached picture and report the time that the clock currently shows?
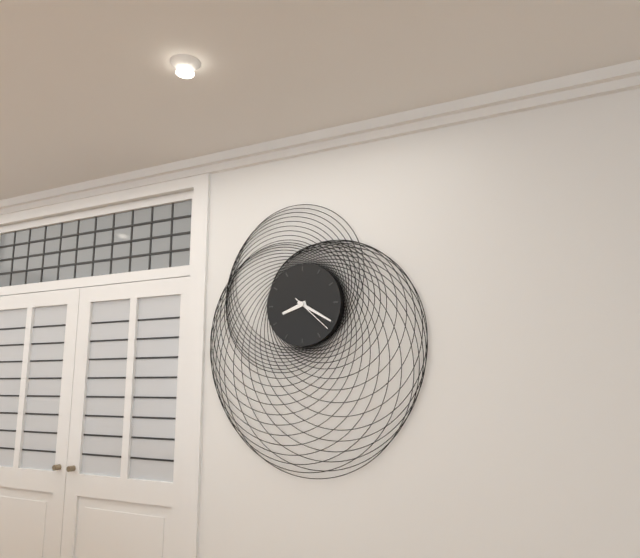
8:20
